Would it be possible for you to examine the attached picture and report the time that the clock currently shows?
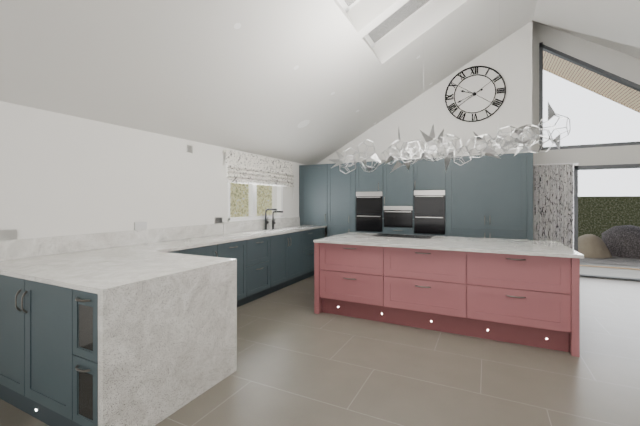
9:41
